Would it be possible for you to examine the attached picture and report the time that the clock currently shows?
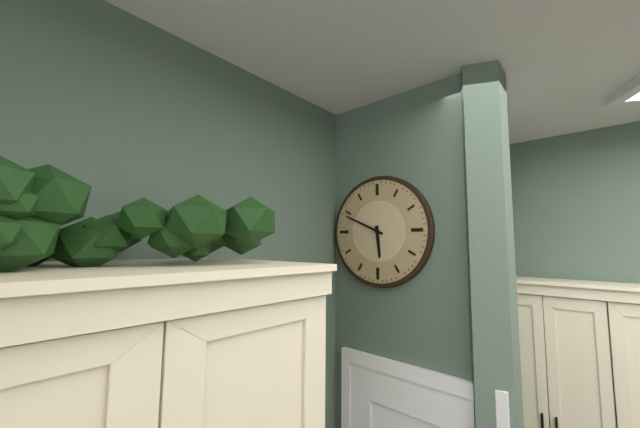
5:49
